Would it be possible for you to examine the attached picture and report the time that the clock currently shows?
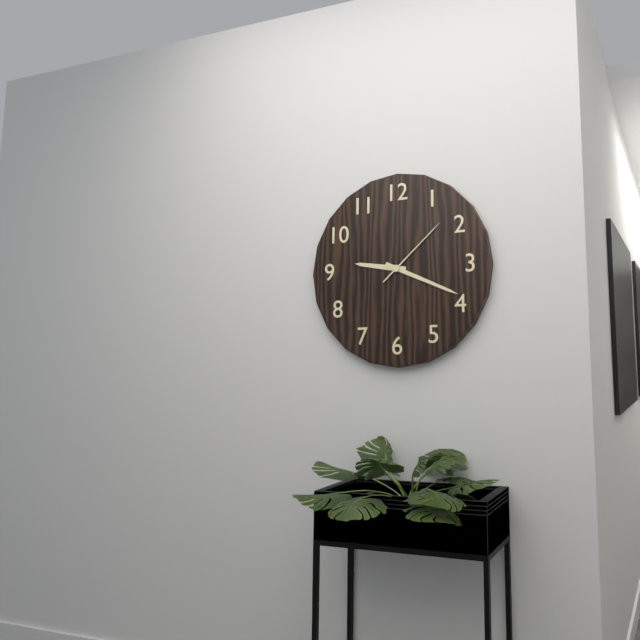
9:19:08
